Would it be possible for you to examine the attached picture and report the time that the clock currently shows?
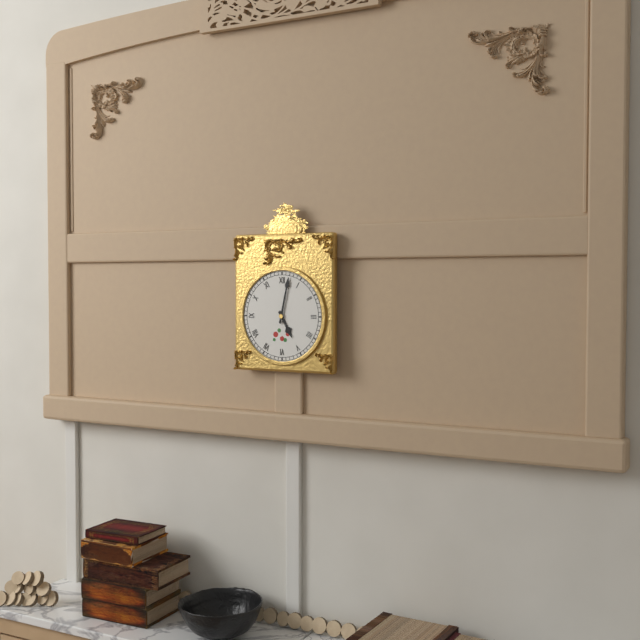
5:02
